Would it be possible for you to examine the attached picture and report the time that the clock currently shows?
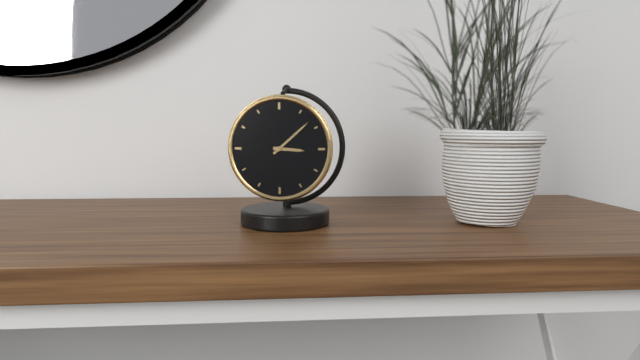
3:08
